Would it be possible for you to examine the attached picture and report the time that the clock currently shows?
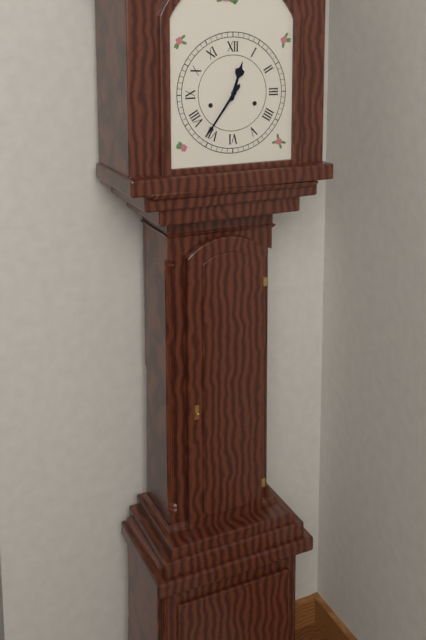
12:36
